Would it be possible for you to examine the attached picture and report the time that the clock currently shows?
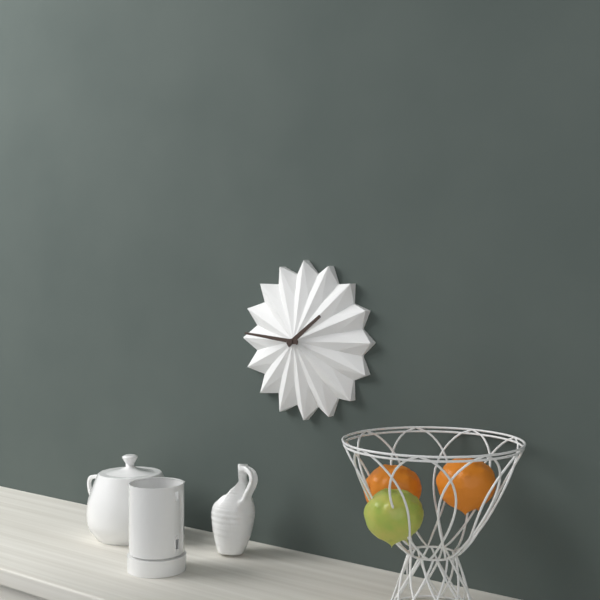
1:46
